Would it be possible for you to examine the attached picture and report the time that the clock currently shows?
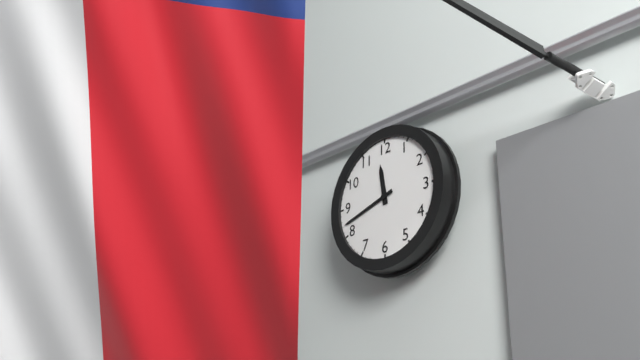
11:42
